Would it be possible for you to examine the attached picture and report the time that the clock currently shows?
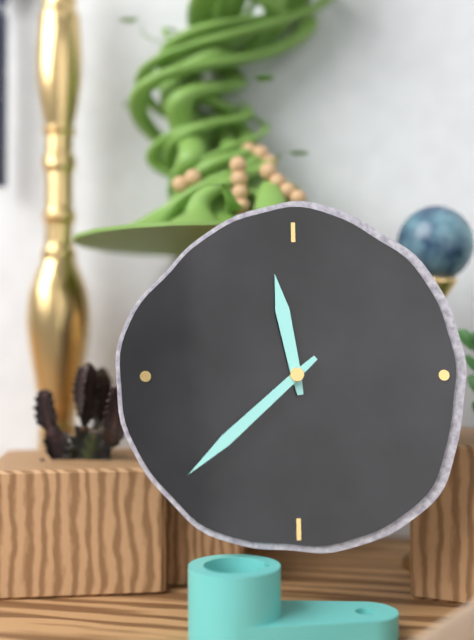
11:38
